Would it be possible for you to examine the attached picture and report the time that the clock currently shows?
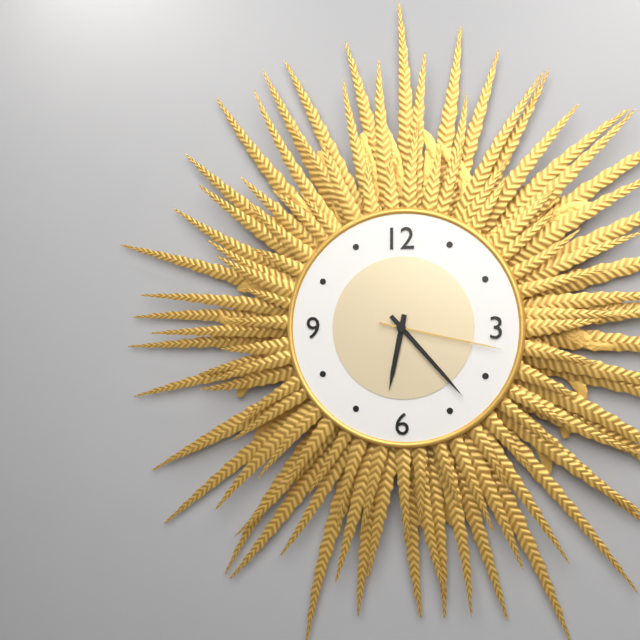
6:23:17
